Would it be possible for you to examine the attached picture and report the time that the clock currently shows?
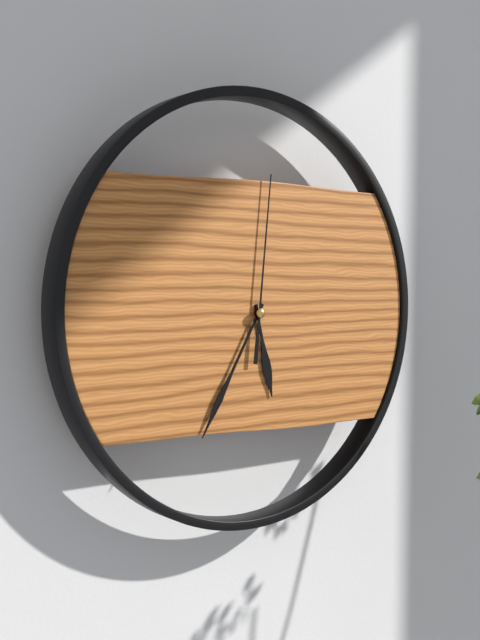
5:35:01
